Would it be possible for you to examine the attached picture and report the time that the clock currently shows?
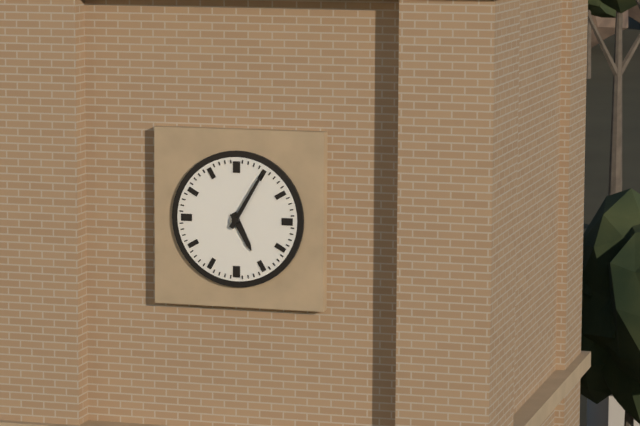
5:05
